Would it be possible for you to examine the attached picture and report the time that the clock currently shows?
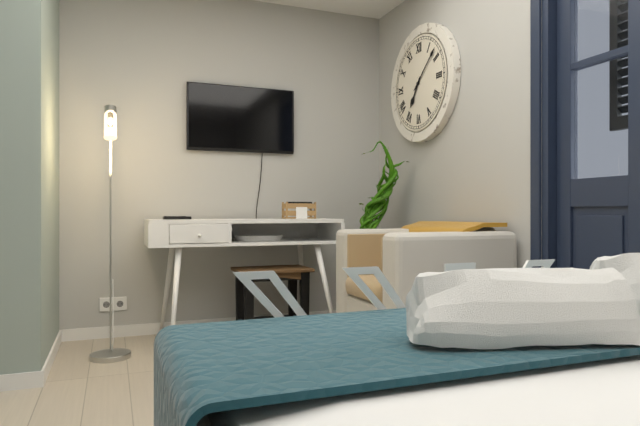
7:08
